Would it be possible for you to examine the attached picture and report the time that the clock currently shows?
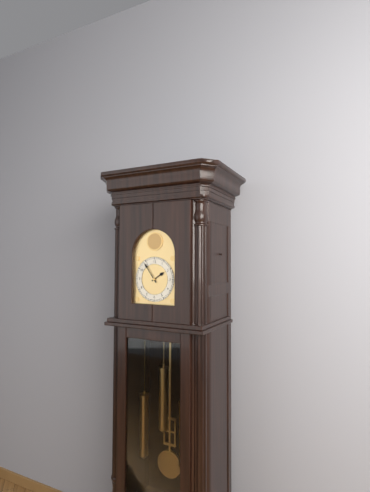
1:54
